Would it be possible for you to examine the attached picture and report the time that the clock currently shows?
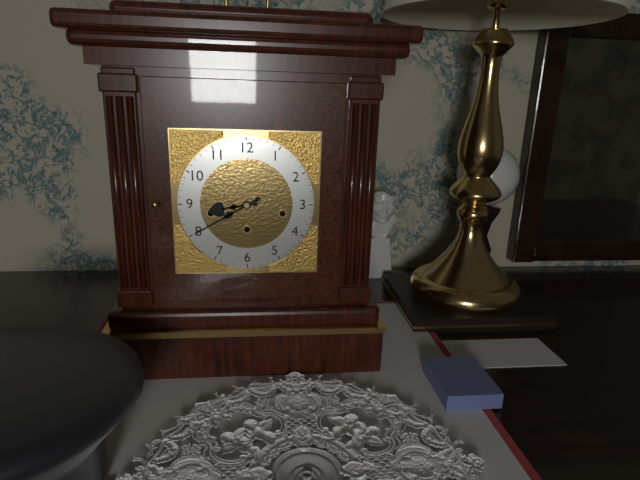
8:40
